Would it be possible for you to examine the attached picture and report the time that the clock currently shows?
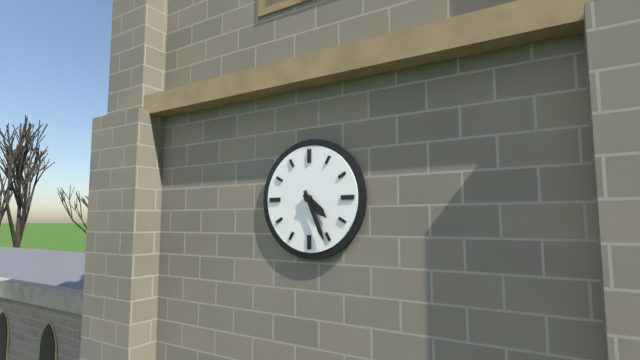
4:26
